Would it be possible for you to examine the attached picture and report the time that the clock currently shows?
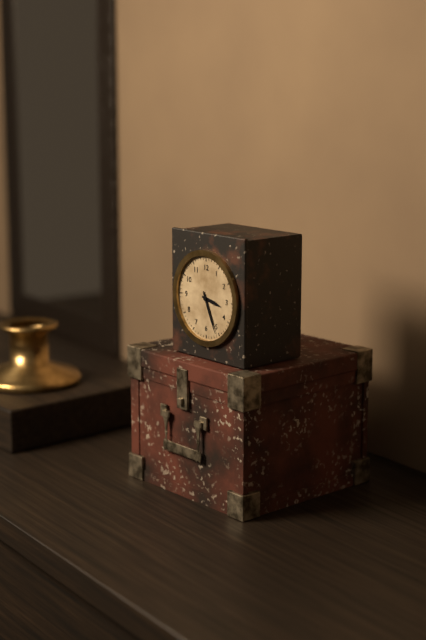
3:26
